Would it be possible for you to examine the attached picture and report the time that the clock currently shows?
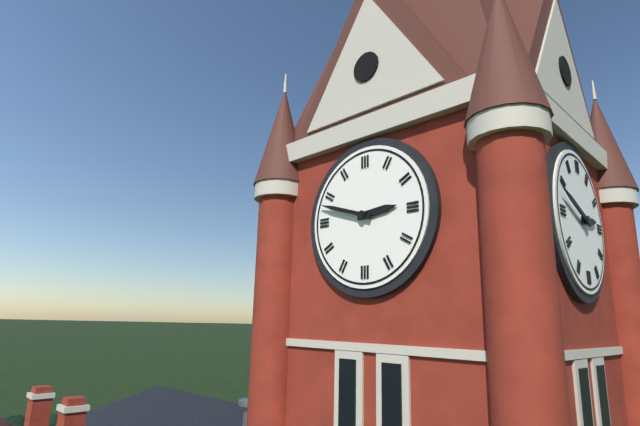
2:48
